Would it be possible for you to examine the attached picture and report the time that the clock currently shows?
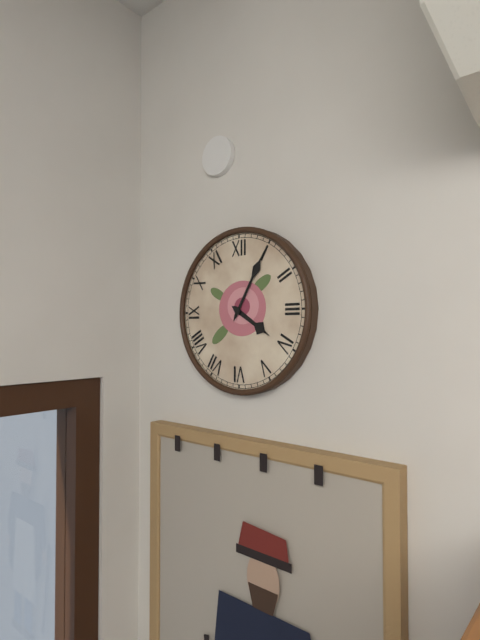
4:05
